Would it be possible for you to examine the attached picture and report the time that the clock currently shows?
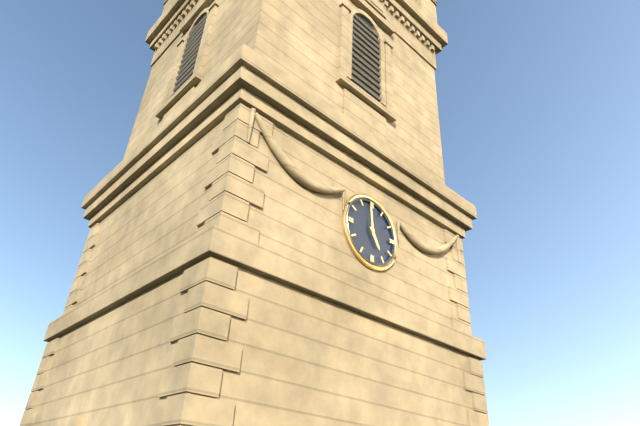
4:59
